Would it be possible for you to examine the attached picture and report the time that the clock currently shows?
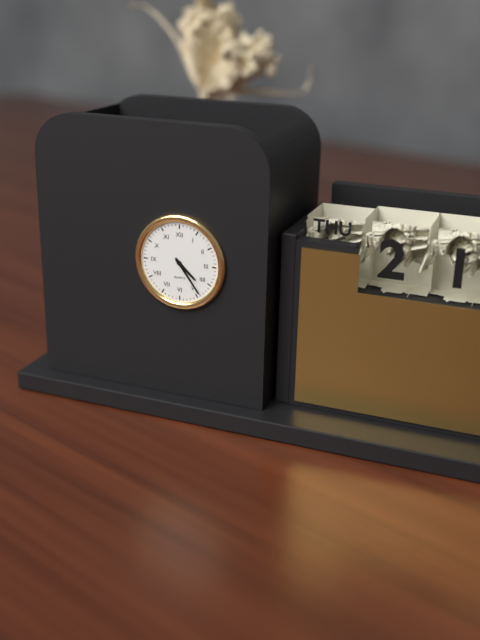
4:24
